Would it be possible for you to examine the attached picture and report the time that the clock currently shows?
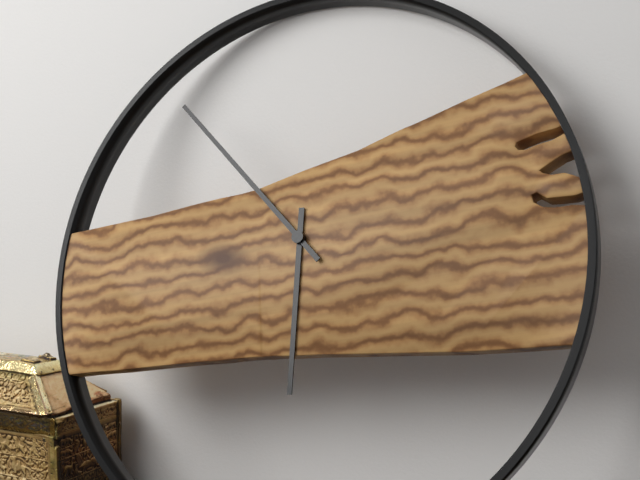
5:52
